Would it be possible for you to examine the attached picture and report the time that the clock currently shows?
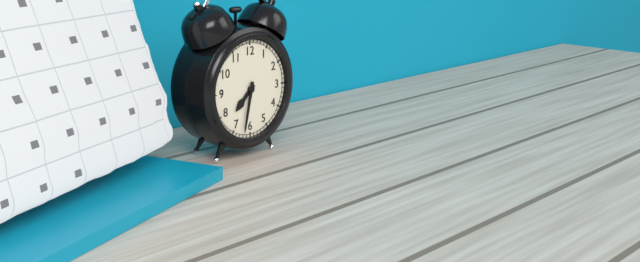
7:32
